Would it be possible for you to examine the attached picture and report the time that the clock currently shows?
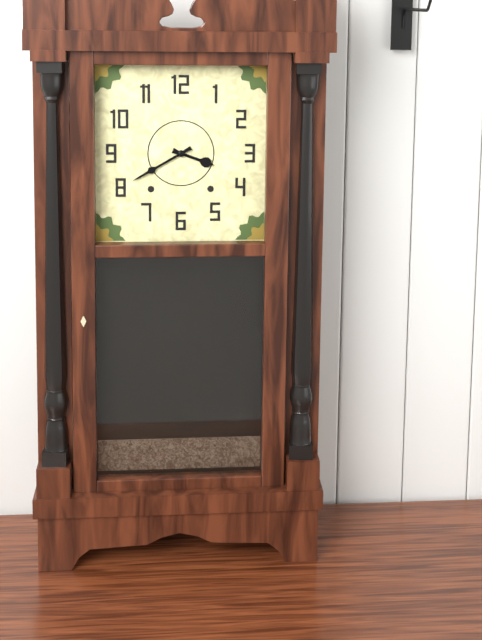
3:40
